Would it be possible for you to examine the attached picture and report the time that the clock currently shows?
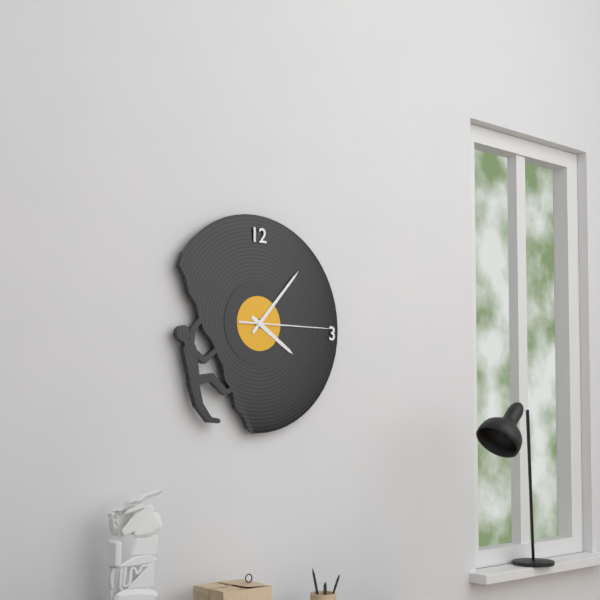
4:07:15
